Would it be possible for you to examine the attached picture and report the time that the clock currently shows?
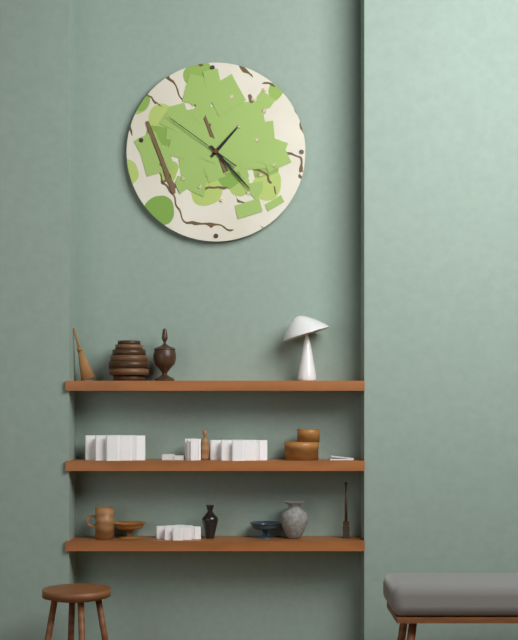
1:23:51
